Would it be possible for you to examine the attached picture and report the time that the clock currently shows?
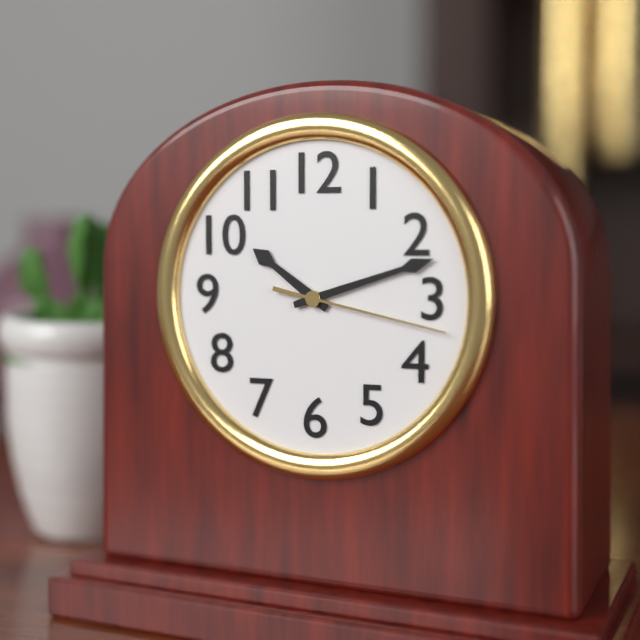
10:12:17
